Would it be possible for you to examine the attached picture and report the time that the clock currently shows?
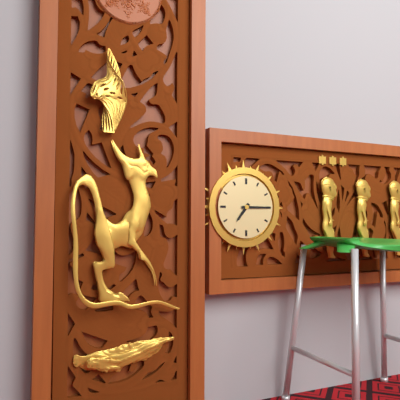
7:15
